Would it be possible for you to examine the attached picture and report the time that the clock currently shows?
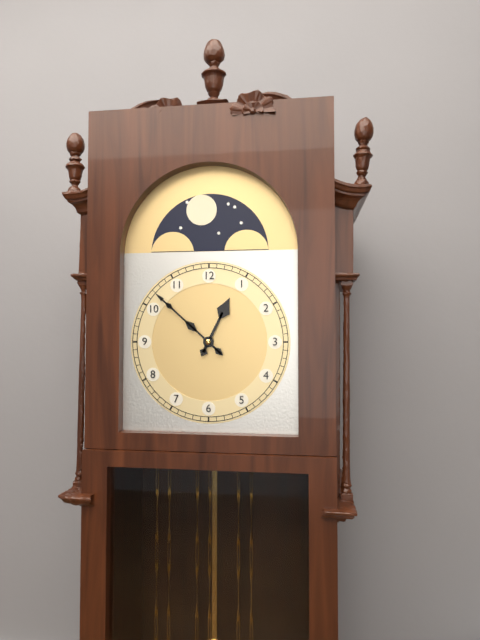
12:52
